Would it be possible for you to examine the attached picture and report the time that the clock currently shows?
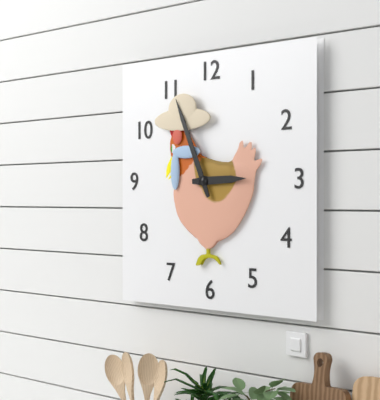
2:56
